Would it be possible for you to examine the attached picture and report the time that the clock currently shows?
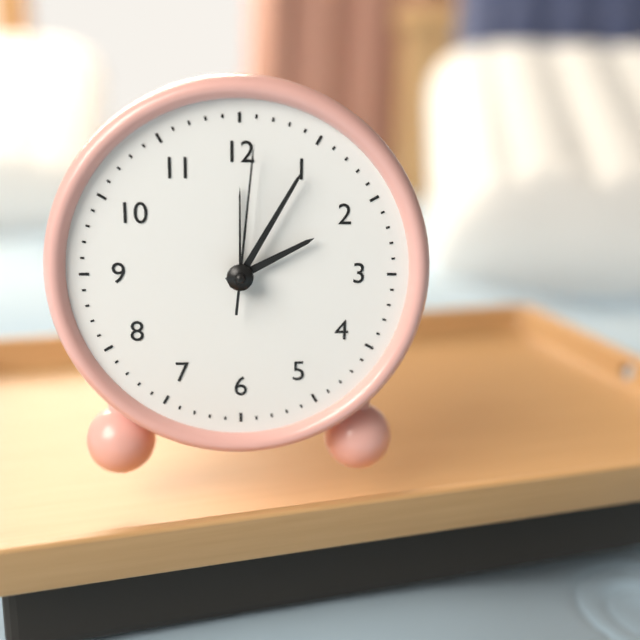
2:05:01
